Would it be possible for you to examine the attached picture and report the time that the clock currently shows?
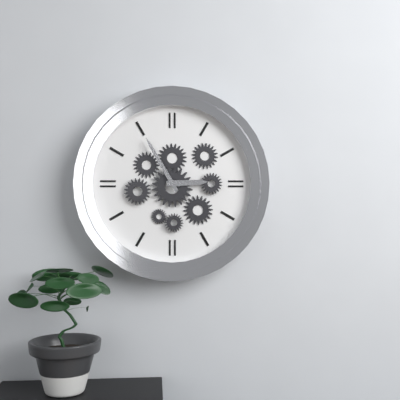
2:55
